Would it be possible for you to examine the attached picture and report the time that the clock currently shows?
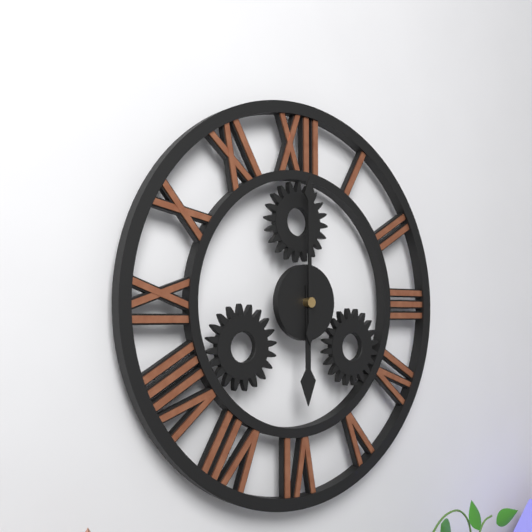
6:00
